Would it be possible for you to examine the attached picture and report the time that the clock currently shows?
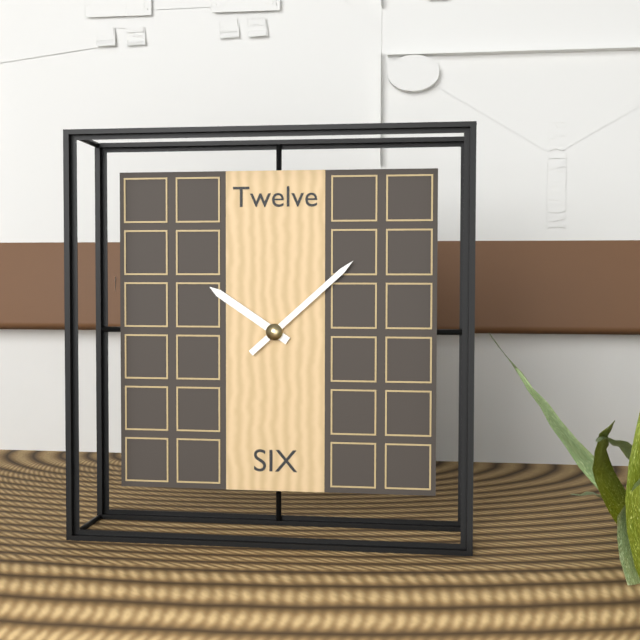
10:08
